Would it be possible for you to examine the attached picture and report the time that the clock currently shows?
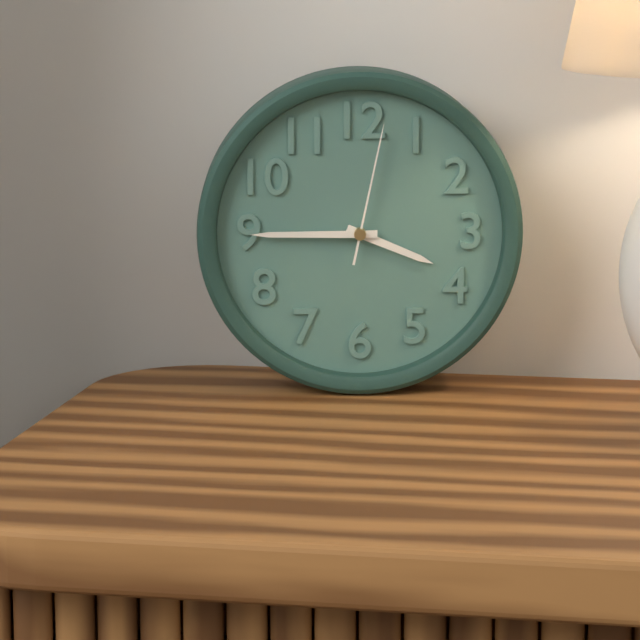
3:45:02
